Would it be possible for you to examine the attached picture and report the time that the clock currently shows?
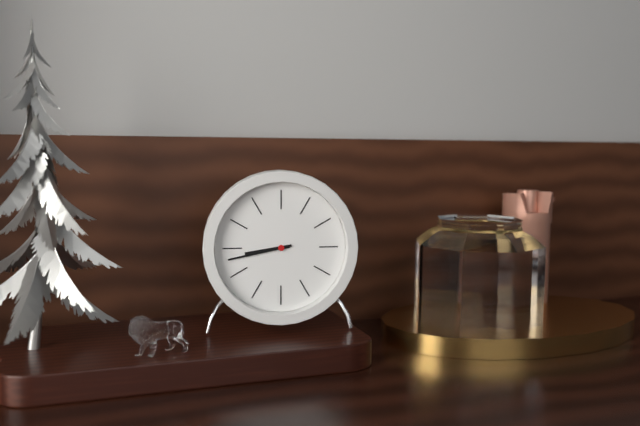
8:43
